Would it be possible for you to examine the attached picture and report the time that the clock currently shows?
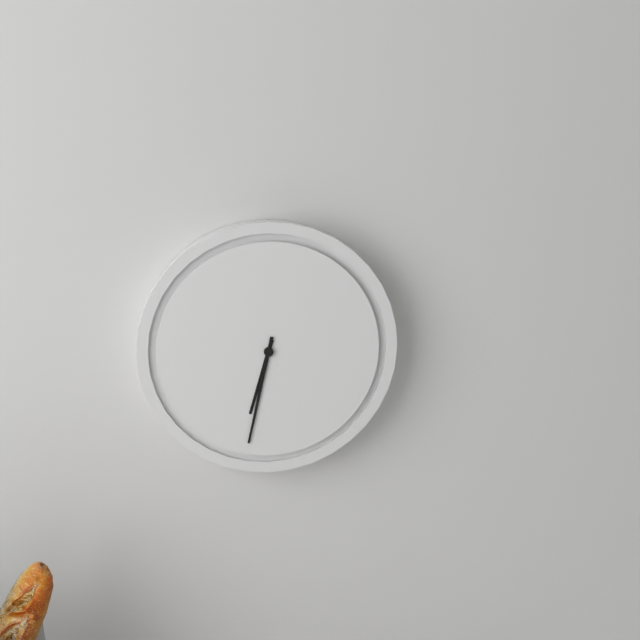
6:32
